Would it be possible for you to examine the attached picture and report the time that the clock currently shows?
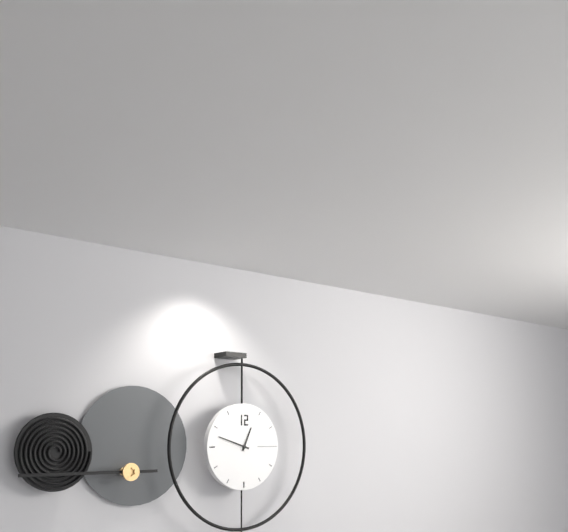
12:48
